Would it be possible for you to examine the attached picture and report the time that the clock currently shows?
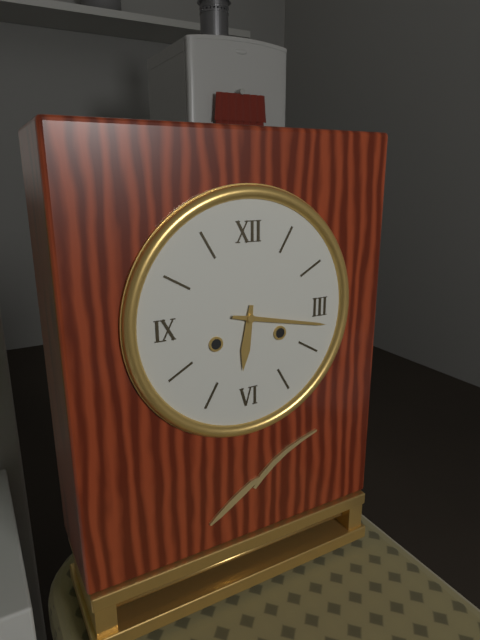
6:17
